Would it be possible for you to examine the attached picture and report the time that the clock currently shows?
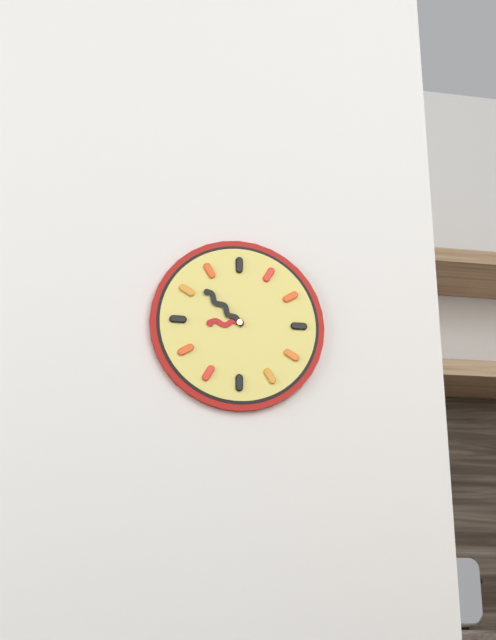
8:52
